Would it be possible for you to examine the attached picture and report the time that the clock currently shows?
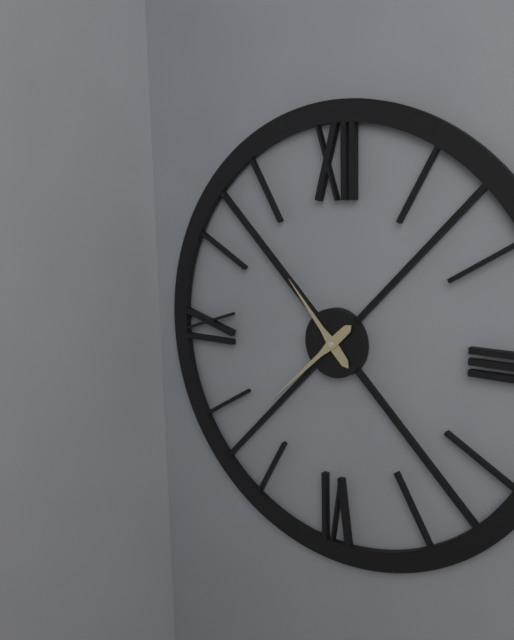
10:38
